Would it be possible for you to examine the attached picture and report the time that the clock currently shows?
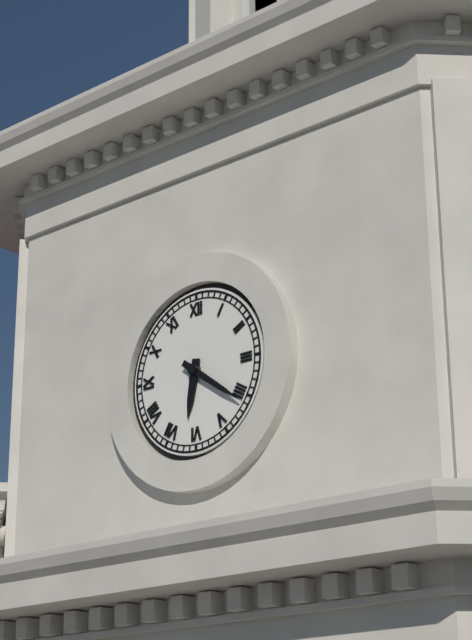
6:21
